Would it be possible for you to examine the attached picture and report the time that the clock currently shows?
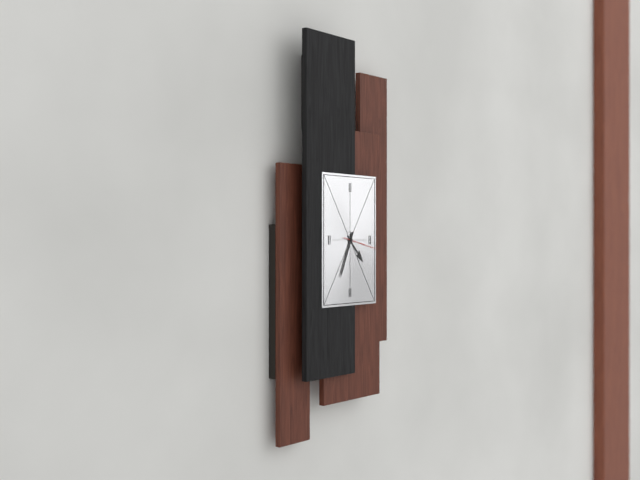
4:34:17
